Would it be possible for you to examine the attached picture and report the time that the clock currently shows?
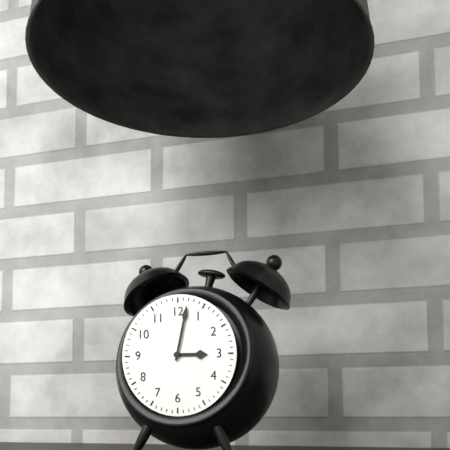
3:02
